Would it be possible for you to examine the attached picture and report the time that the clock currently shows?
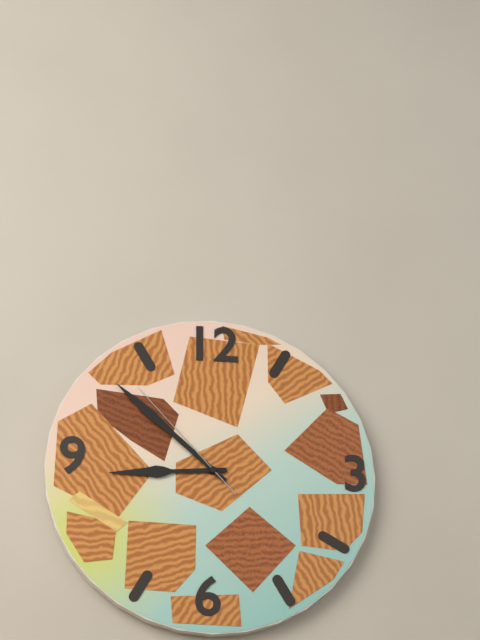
8:52:53
